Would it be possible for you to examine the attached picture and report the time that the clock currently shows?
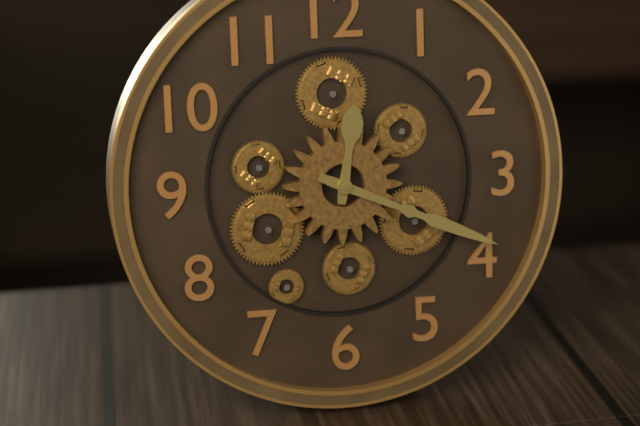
12:19
